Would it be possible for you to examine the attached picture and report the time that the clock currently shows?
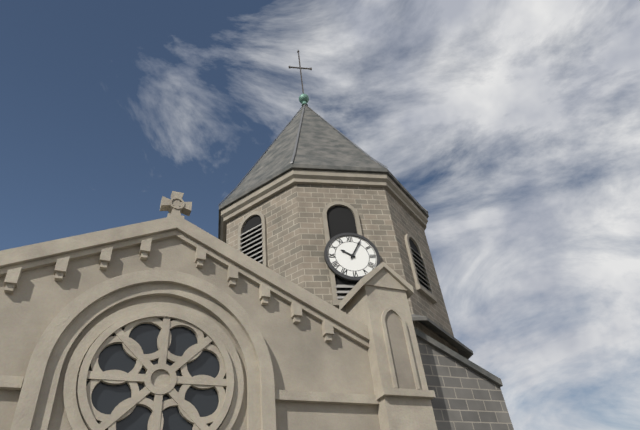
10:05
